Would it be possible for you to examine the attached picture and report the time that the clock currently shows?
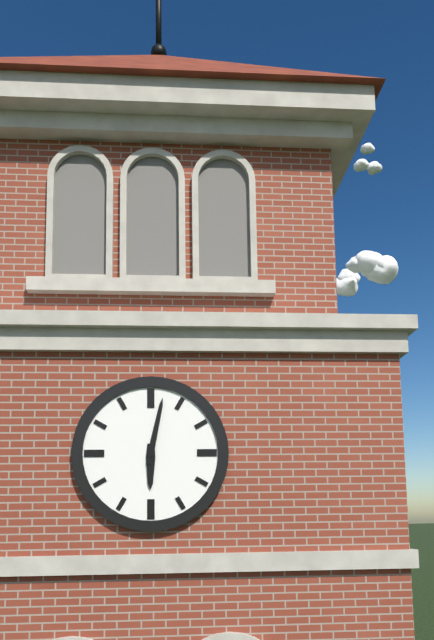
6:02
